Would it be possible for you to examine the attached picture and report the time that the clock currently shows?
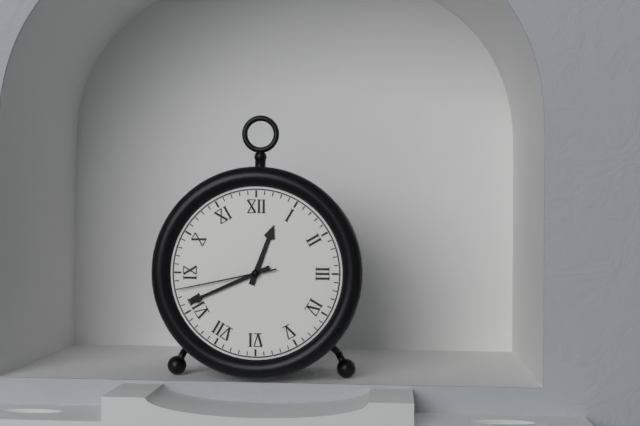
12:41:43
